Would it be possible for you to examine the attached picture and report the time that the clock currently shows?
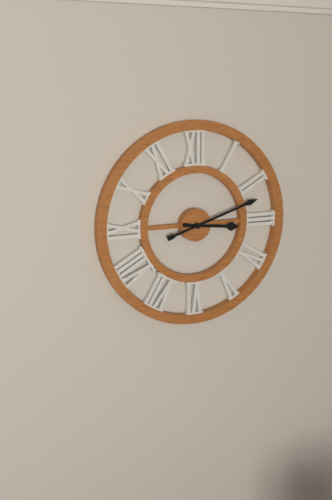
3:12
